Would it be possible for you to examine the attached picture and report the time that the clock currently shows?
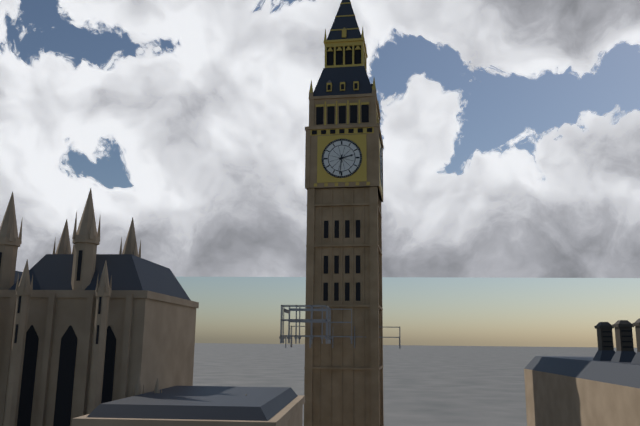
2:31
